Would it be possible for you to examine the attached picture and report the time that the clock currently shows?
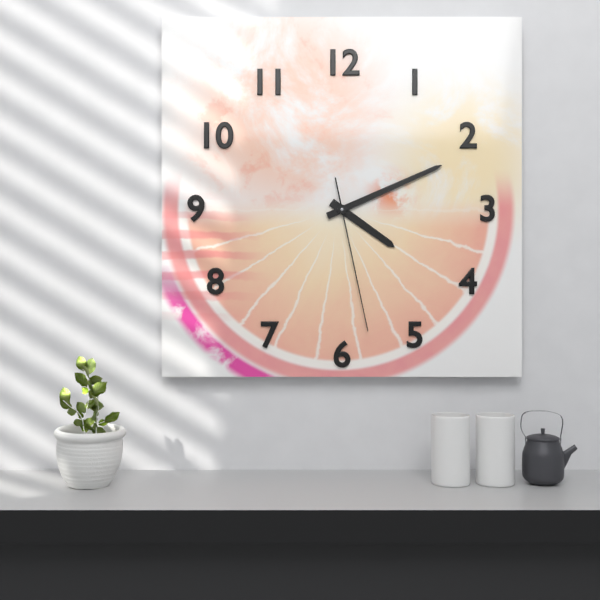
4:11:28
